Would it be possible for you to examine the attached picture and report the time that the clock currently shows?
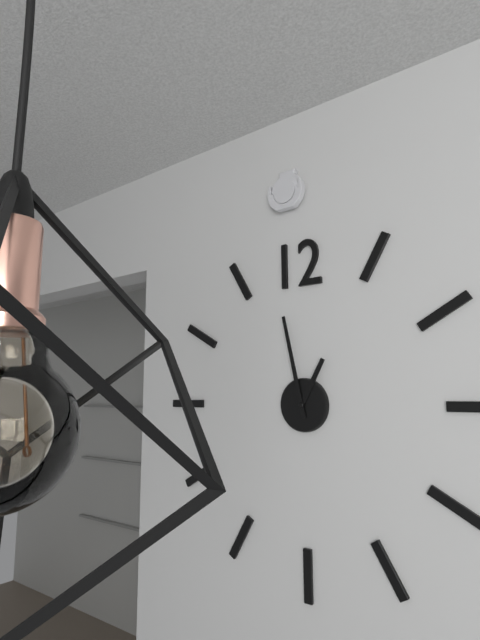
12:58
